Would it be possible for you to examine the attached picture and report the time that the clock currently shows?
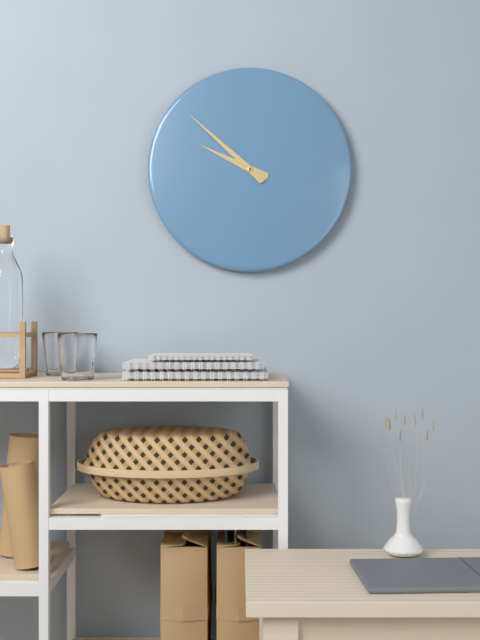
9:52
